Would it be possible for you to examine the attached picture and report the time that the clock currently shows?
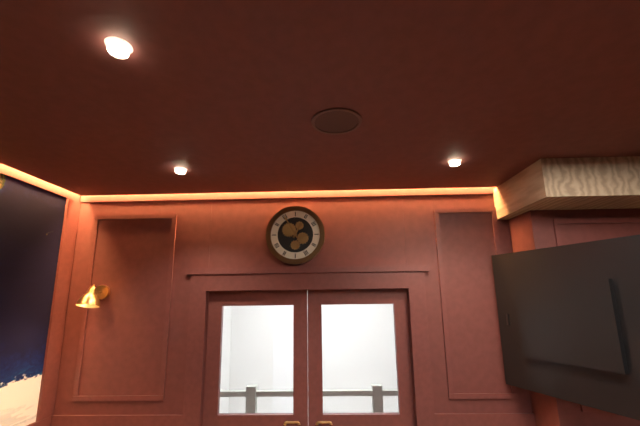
12:55
